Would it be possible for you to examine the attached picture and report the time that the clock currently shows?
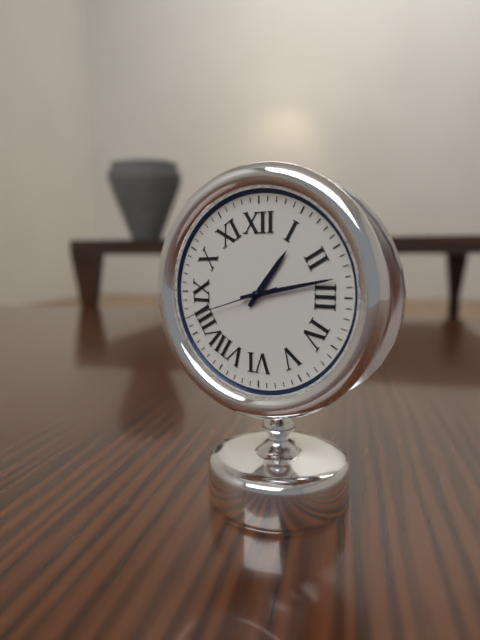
1:13:42
